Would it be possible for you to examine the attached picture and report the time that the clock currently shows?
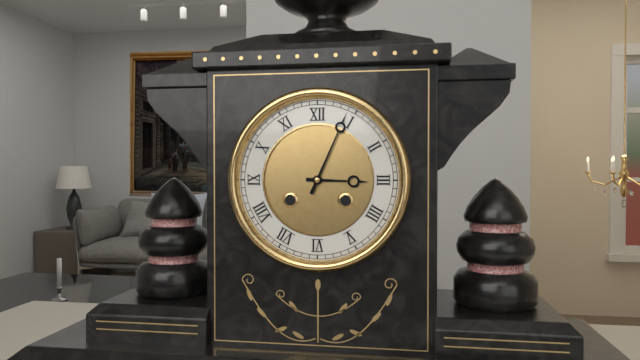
3:04
